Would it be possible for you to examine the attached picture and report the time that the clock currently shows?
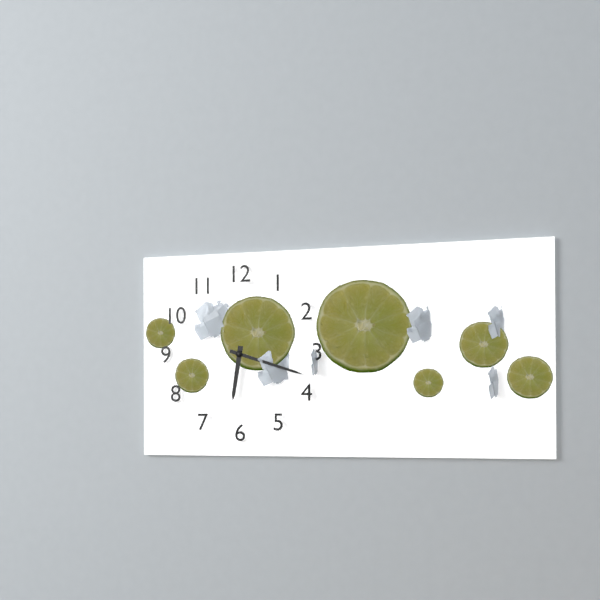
6:18
